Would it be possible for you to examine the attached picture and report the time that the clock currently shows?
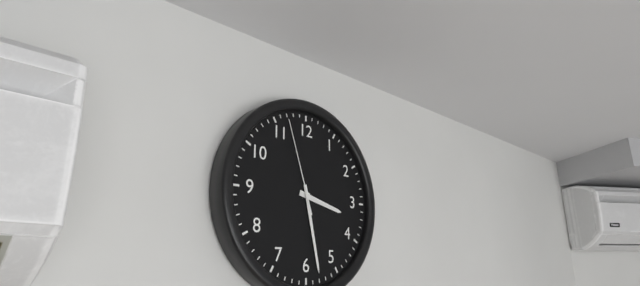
3:28:57
